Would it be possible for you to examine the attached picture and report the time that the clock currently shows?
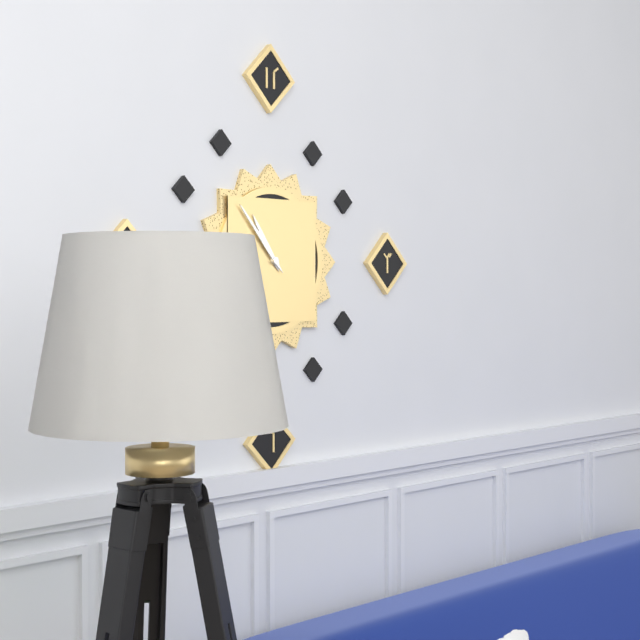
10:53
